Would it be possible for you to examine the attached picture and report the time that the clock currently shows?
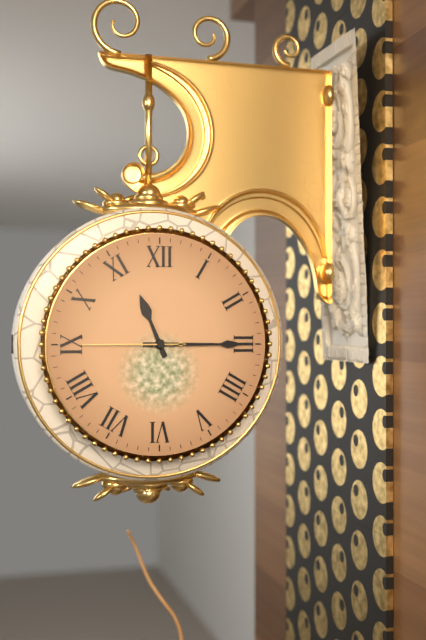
11:15:45
